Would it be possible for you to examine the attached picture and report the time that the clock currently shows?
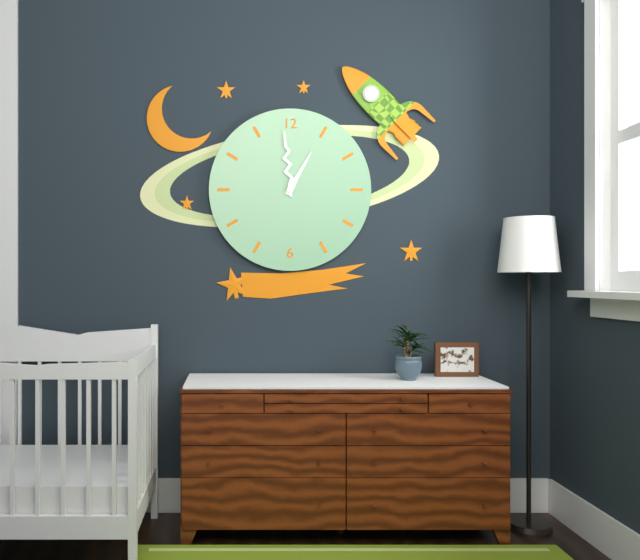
12:59
